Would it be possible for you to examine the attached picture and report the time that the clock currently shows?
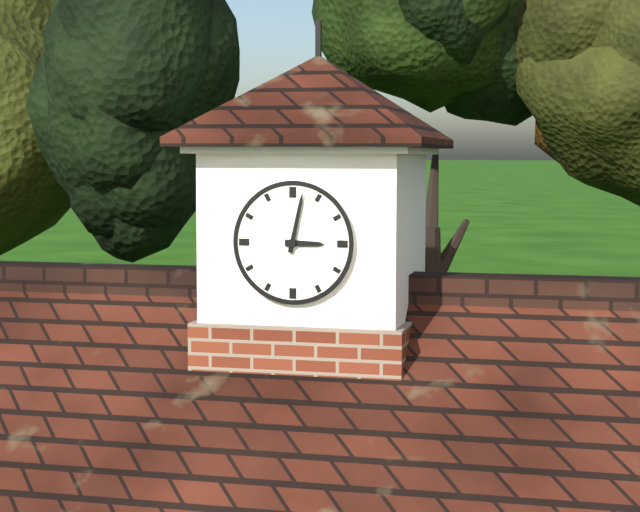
3:02
